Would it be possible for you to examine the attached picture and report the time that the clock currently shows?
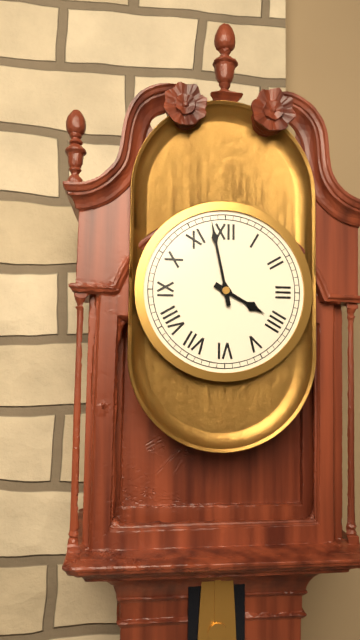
3:58
